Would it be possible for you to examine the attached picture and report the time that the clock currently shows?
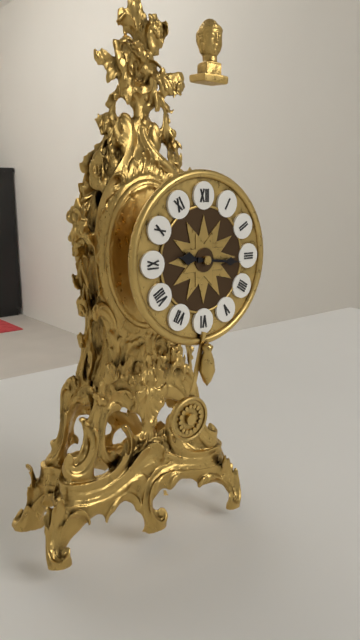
9:16
